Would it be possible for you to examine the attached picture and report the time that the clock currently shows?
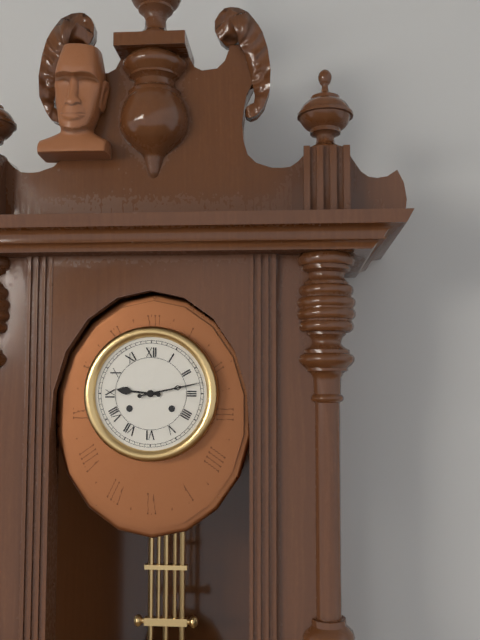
9:13
